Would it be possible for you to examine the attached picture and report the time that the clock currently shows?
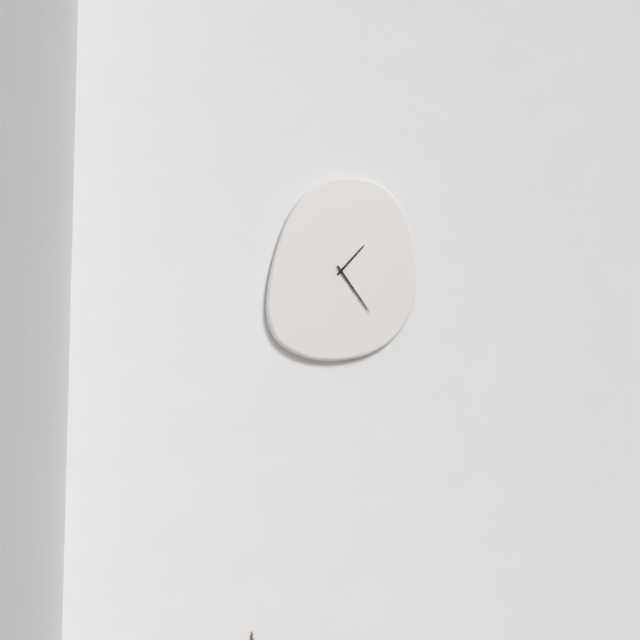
1:24
